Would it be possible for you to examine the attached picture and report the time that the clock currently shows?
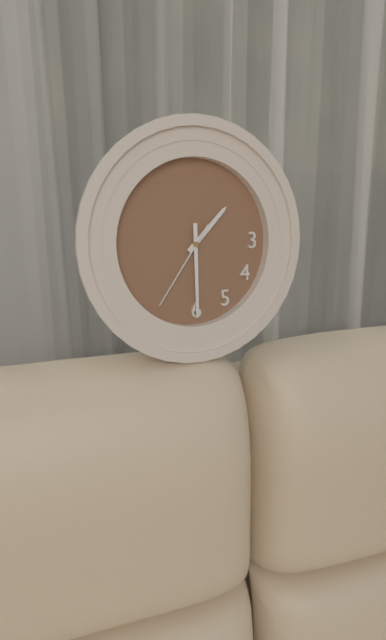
1:30:36
